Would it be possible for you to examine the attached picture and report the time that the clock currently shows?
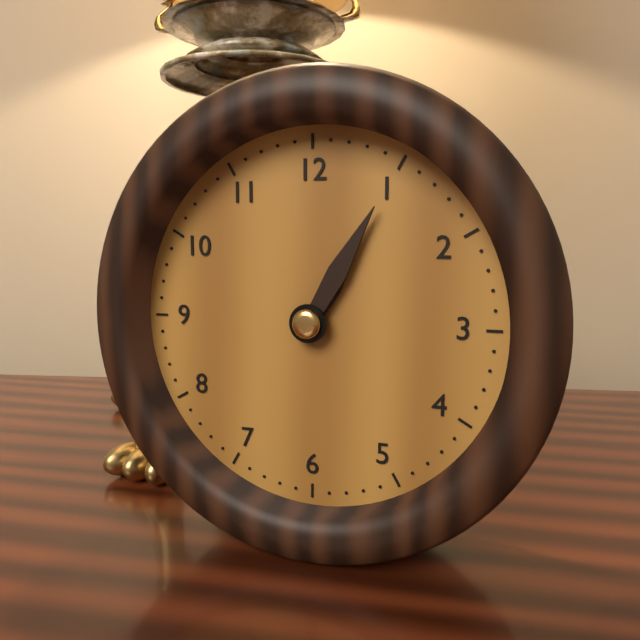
1:05
